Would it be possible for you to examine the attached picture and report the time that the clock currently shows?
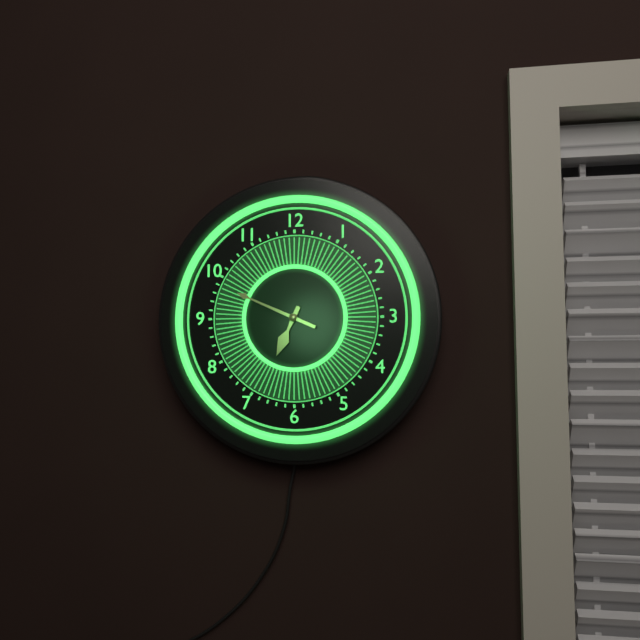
6:49
